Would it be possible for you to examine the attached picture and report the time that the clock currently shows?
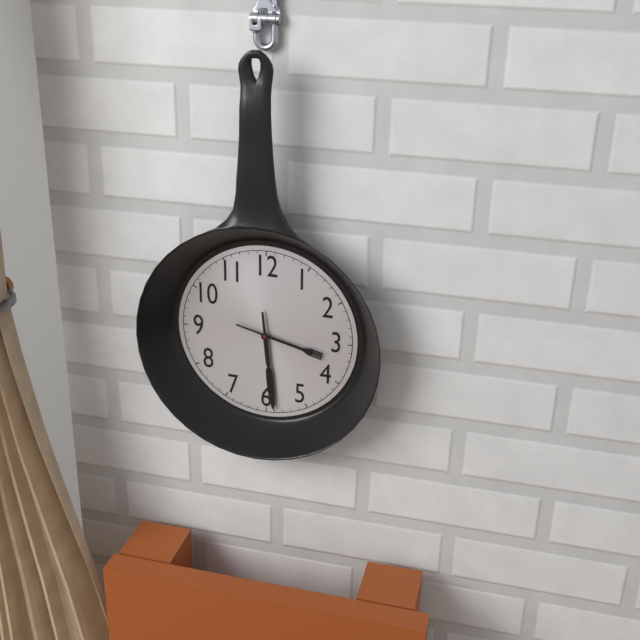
3:29
